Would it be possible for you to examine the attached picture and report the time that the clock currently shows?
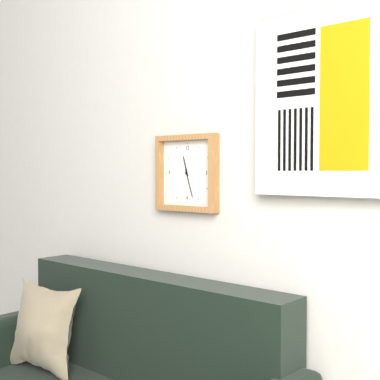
11:27
